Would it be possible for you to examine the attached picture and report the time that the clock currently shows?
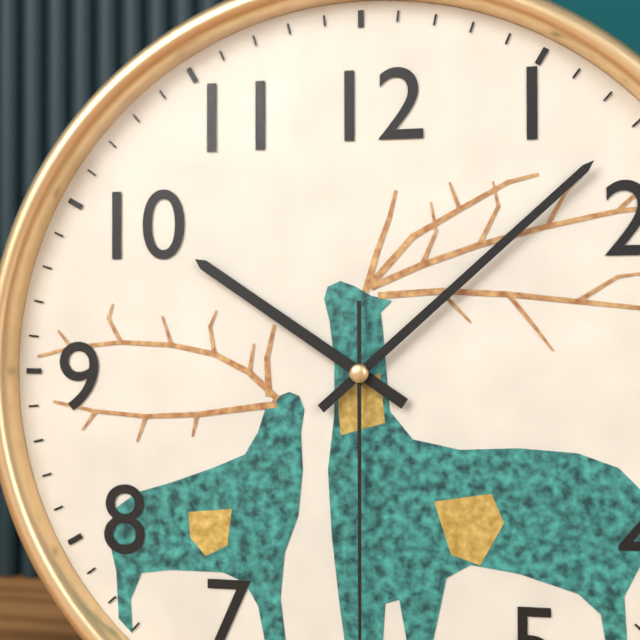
10:08
